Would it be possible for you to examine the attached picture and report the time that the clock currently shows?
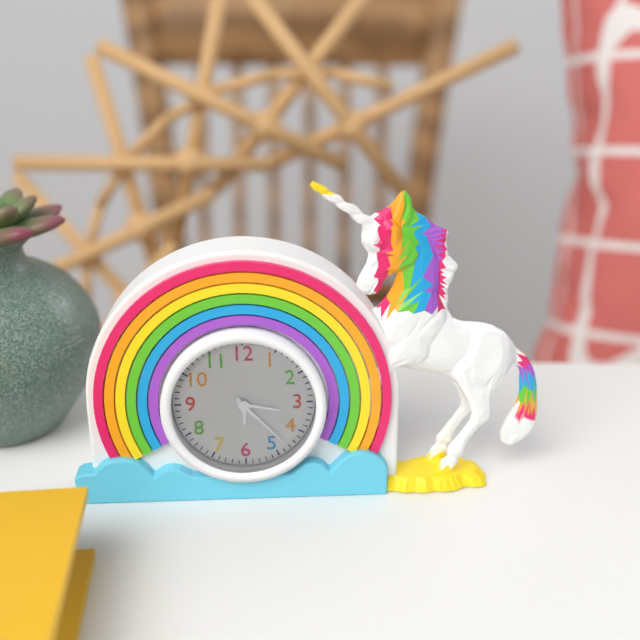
3:23
